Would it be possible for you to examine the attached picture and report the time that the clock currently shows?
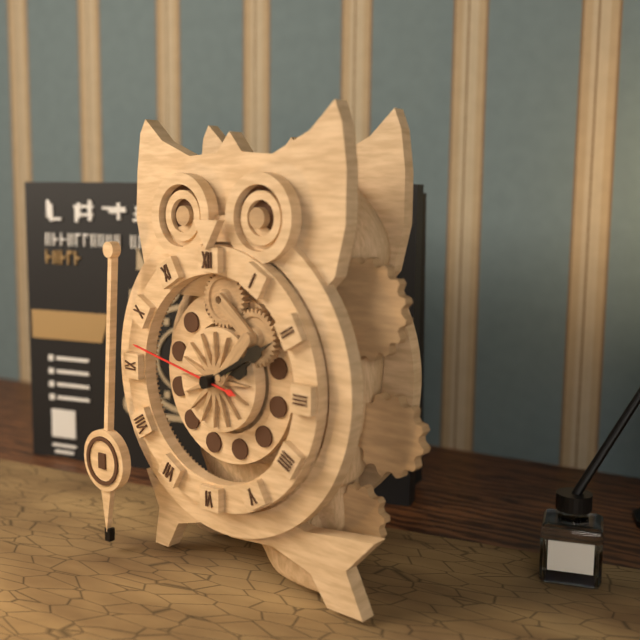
2:10:47
